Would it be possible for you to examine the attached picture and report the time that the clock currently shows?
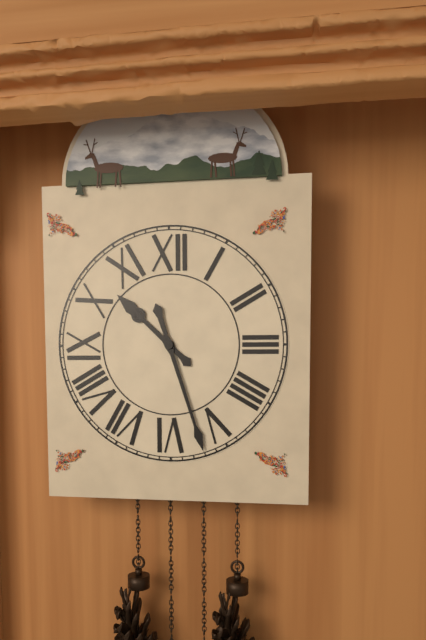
10:27
